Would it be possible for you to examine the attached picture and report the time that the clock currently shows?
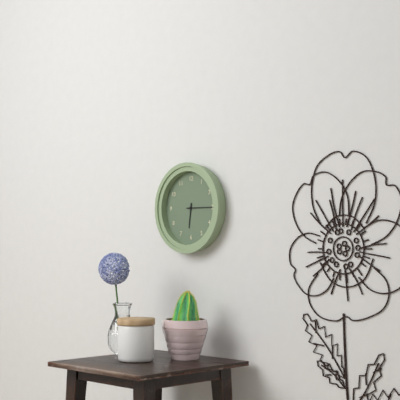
6:15
